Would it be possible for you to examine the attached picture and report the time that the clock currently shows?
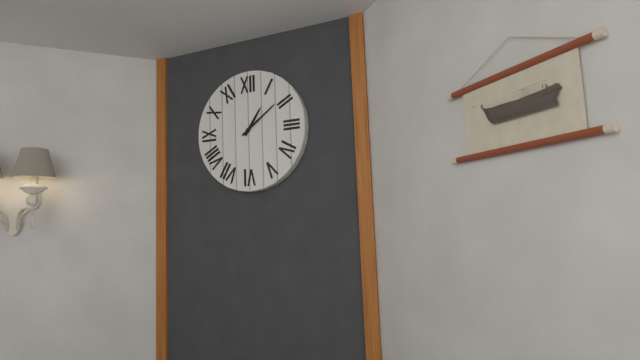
1:09
